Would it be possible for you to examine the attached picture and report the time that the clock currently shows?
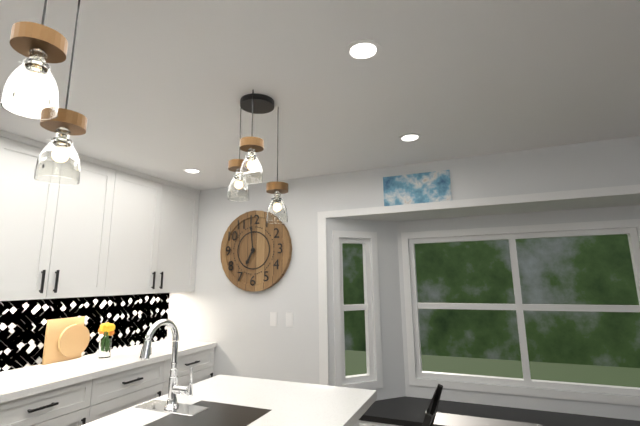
6:59
